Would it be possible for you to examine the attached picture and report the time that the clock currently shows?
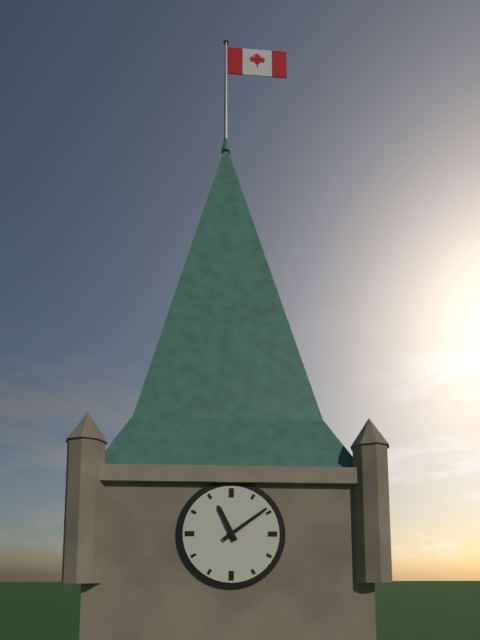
11:09
